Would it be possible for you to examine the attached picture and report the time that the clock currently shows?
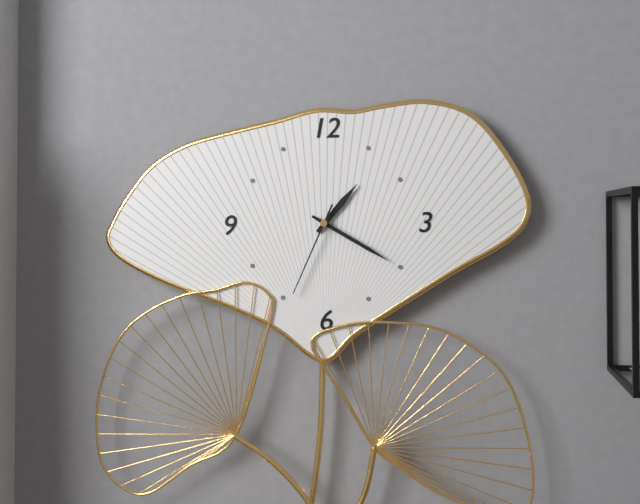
1:20:34
